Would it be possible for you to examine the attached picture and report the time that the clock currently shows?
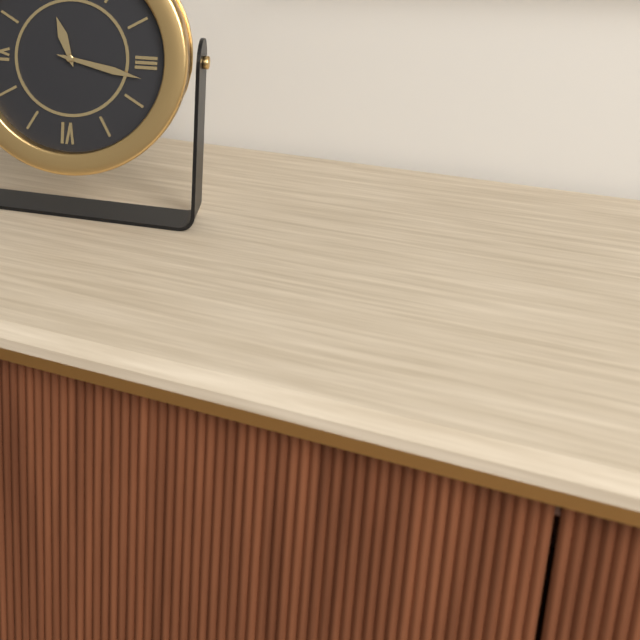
11:17
